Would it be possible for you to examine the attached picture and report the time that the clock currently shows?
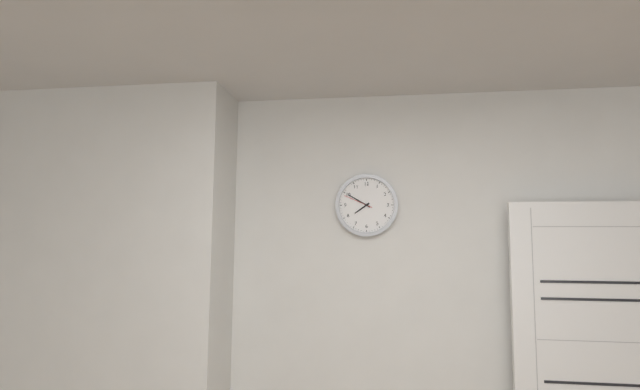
7:50
